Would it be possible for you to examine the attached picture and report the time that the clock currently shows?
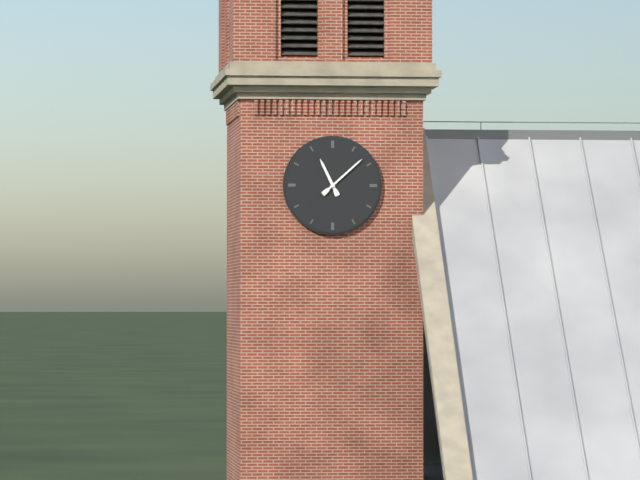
11:08
